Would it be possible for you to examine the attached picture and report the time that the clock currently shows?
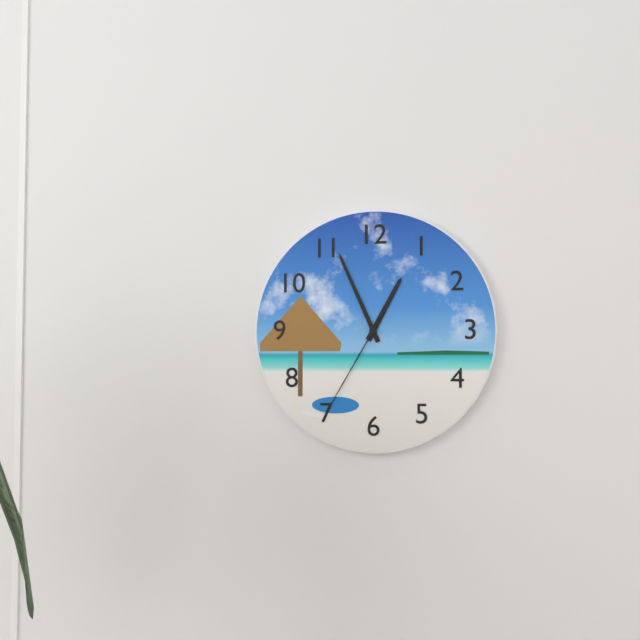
12:56:35
